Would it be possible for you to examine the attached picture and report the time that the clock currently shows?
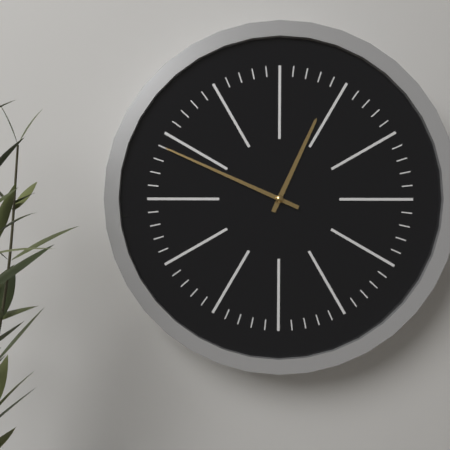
12:49
